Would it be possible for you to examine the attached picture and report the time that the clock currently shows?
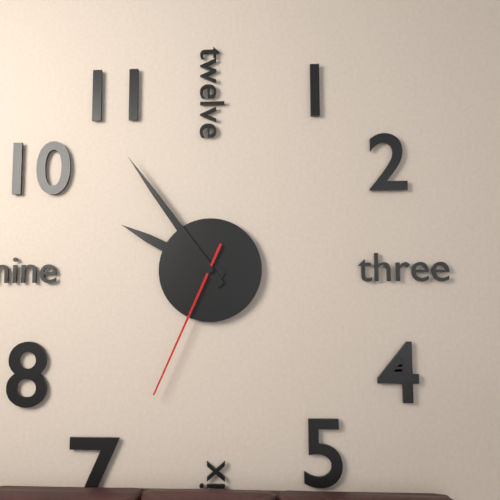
9:54:34
